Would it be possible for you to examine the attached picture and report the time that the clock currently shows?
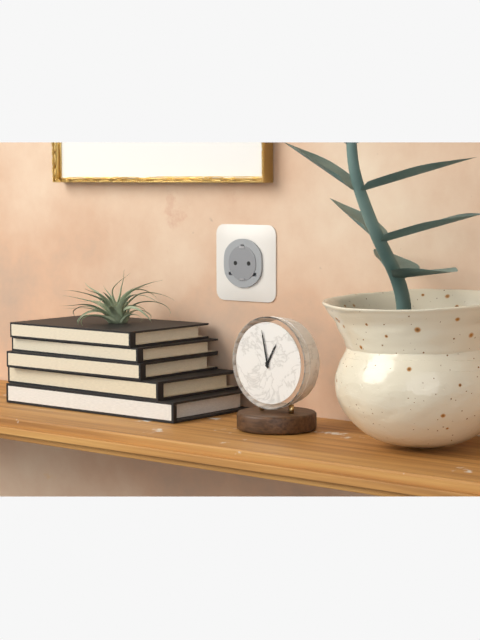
12:58
